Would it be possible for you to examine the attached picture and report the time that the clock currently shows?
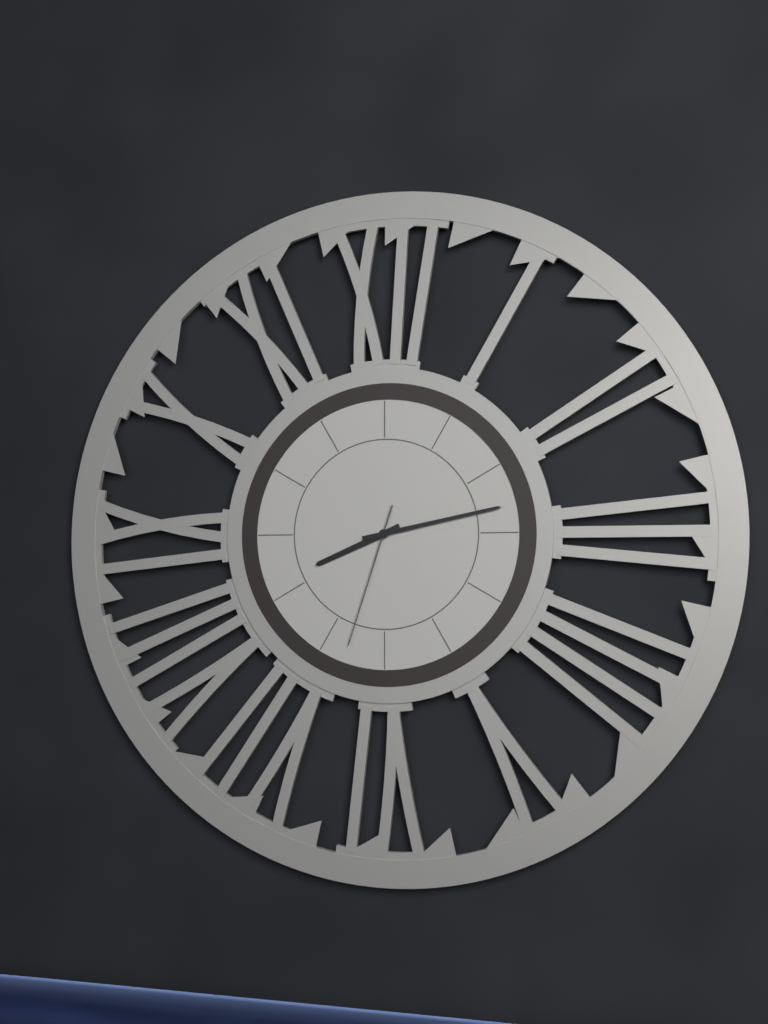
8:13:33
